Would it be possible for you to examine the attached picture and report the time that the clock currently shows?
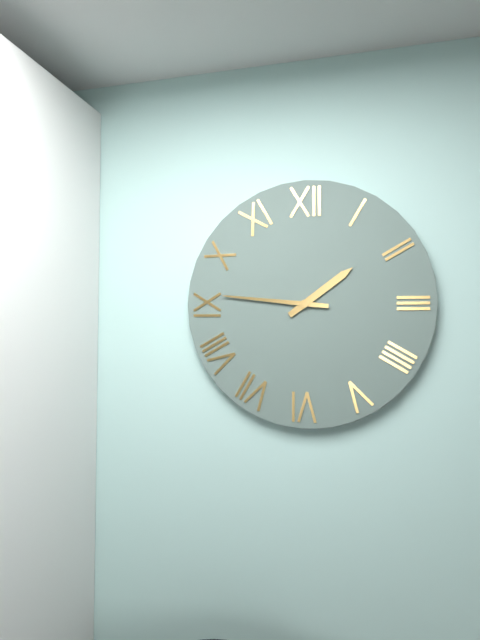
1:46
